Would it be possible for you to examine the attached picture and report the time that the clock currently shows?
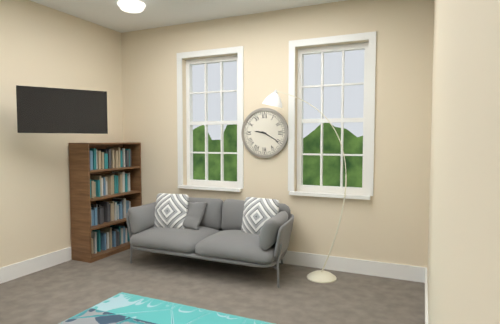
9:20
